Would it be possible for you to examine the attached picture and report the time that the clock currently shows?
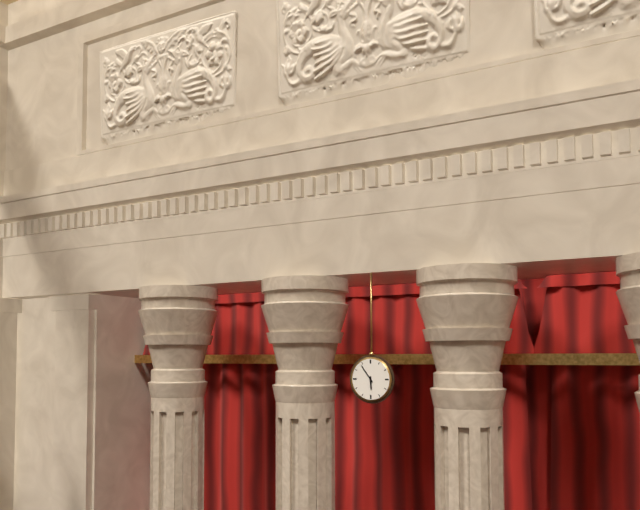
5:54
